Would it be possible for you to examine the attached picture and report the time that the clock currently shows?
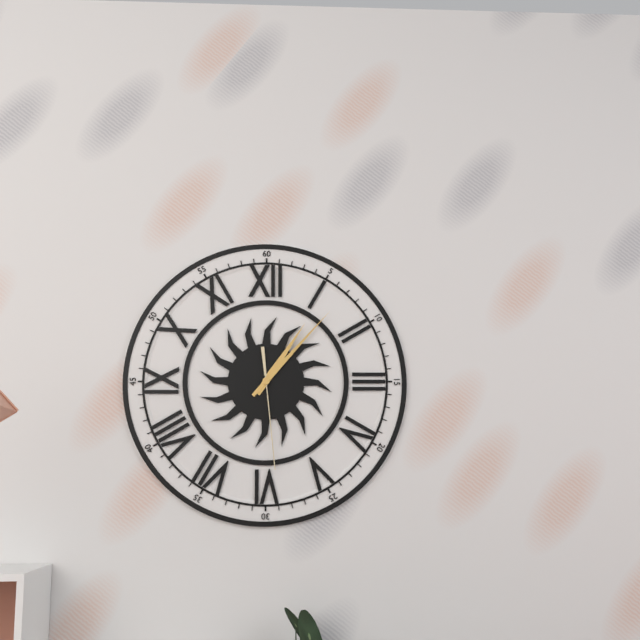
1:07:29
